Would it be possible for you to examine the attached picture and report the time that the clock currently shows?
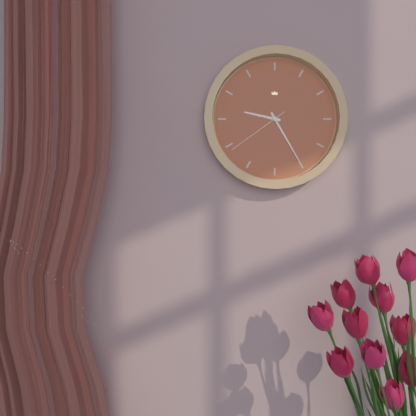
9:25:39
